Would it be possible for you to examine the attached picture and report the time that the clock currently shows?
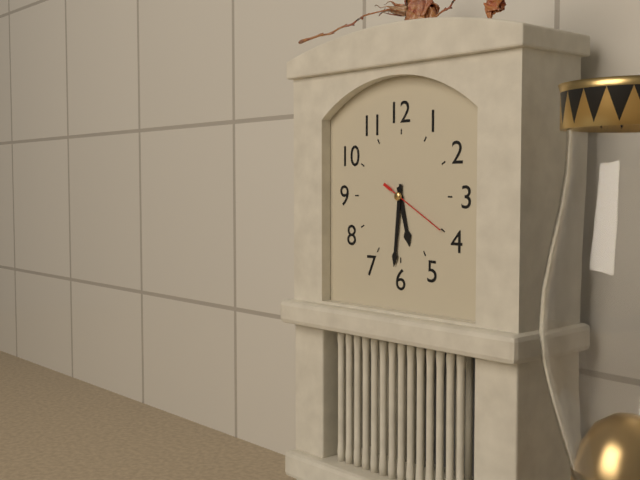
5:31:20
